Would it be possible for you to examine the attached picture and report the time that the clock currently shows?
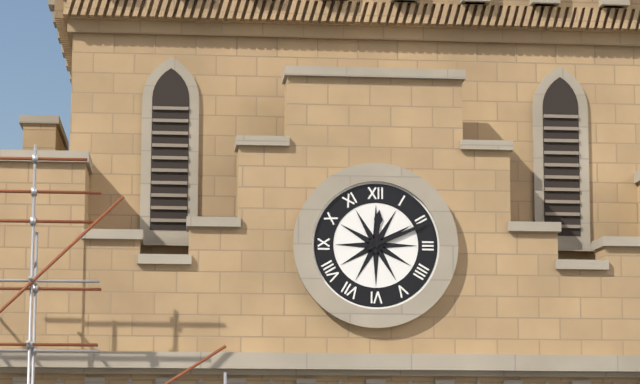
12:11
